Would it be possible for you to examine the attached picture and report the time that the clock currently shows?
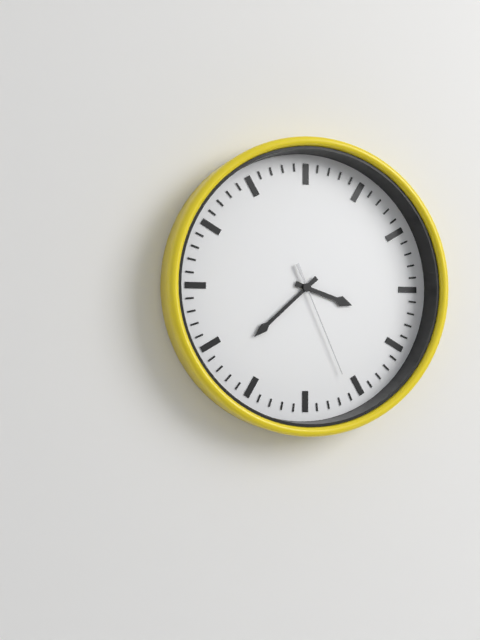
3:38:26
